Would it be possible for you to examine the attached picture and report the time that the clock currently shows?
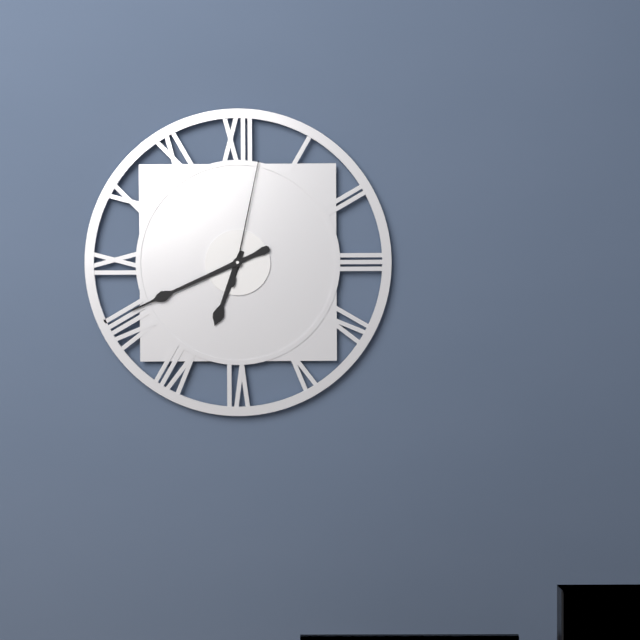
6:41:02
